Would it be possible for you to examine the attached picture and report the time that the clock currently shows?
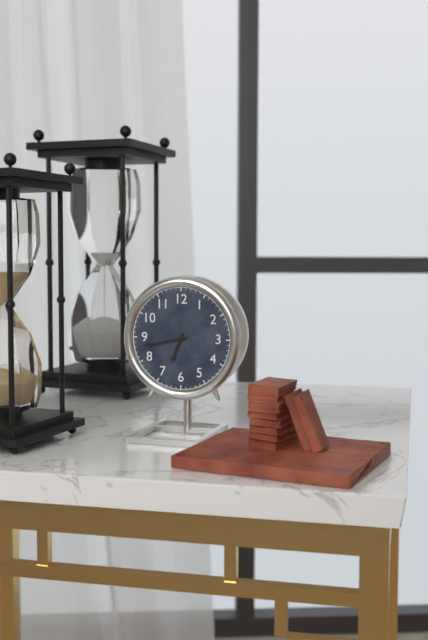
6:43
